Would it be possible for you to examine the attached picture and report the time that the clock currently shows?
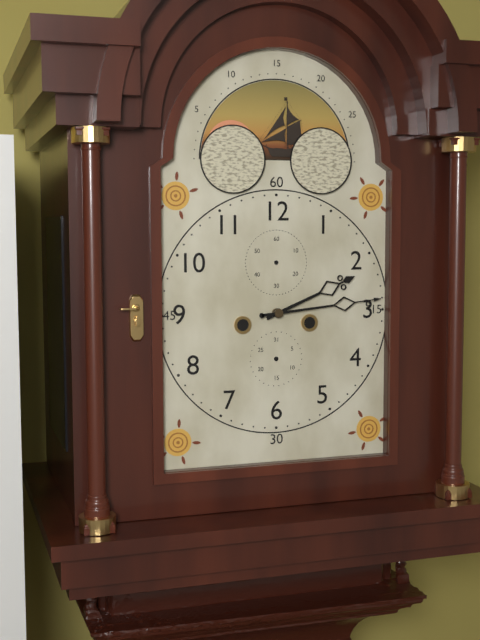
2:14
